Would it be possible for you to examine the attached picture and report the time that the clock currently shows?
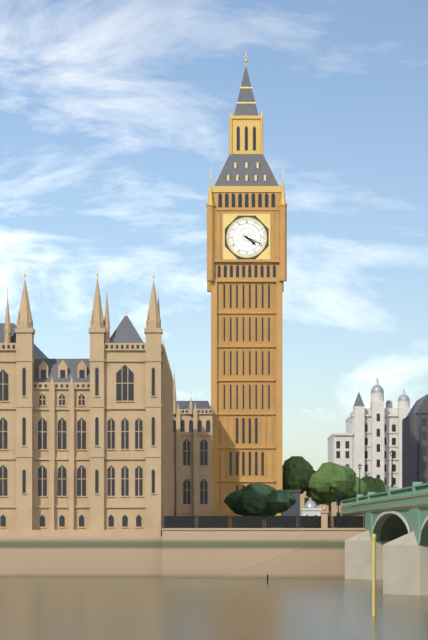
4:19
